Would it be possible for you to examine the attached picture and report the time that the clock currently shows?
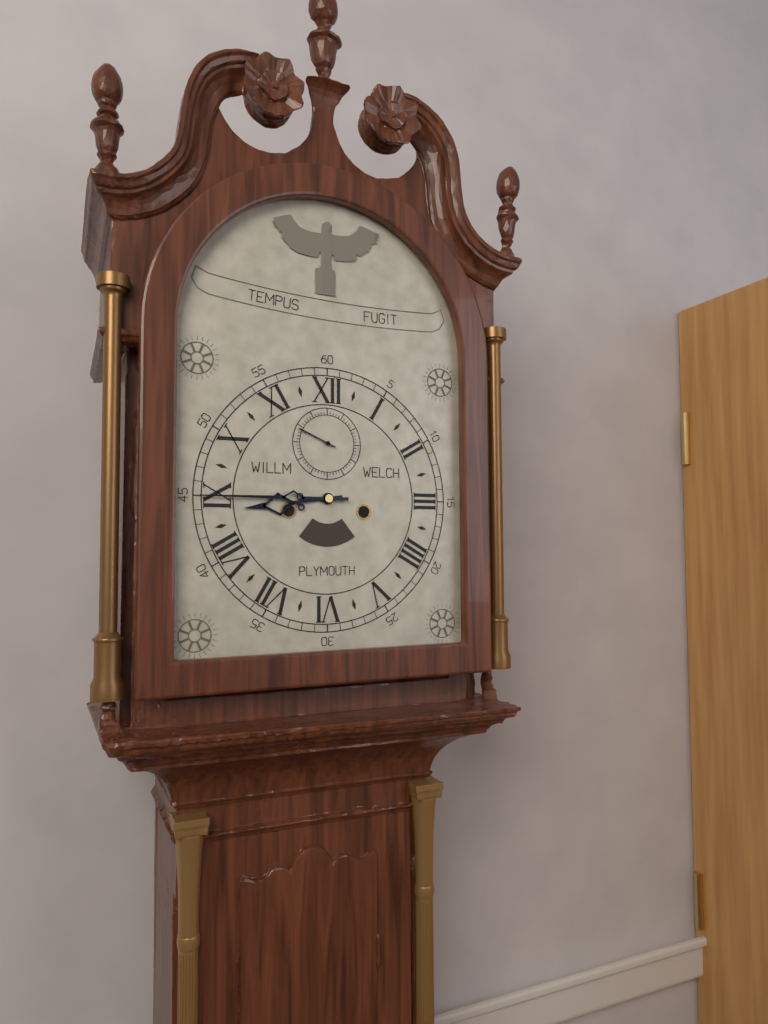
8:45
